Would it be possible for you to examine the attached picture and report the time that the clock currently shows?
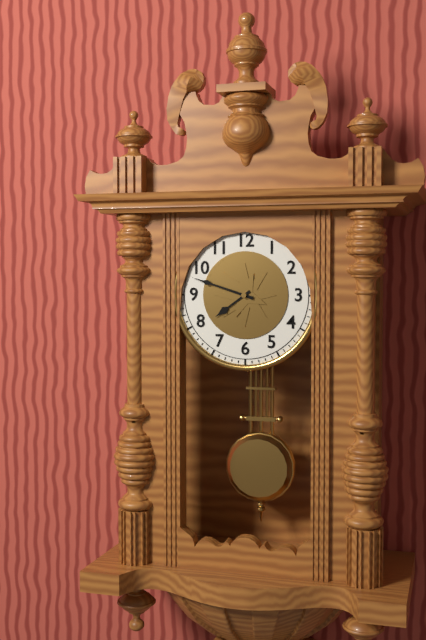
7:48
